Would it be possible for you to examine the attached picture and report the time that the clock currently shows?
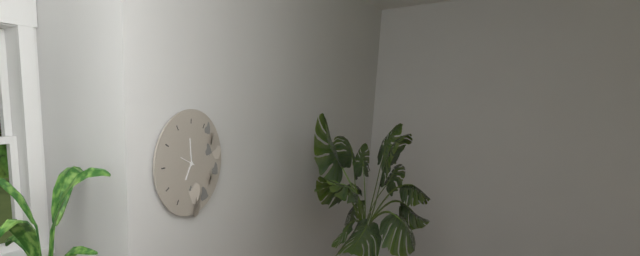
6:59
